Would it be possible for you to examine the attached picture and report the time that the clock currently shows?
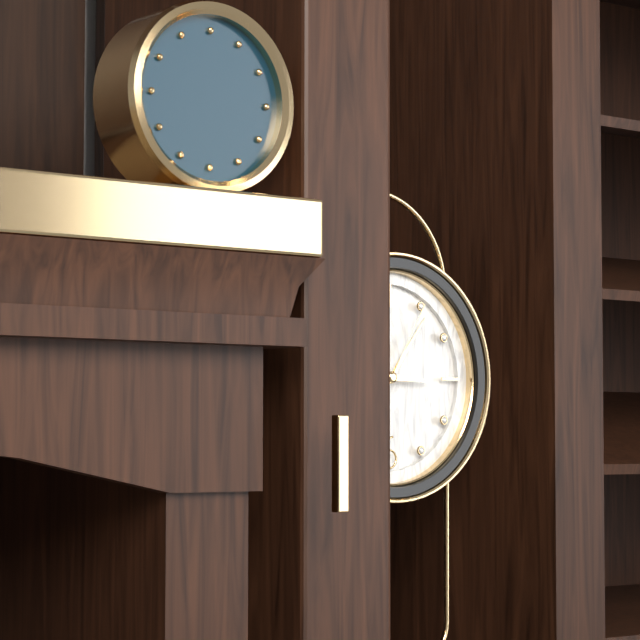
3:06:05
